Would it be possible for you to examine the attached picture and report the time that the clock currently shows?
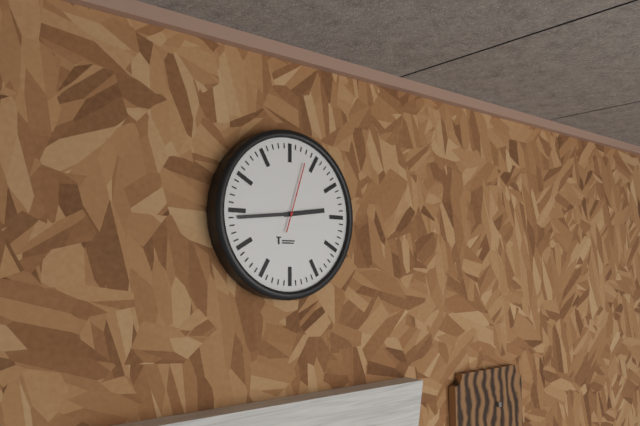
2:44:03
